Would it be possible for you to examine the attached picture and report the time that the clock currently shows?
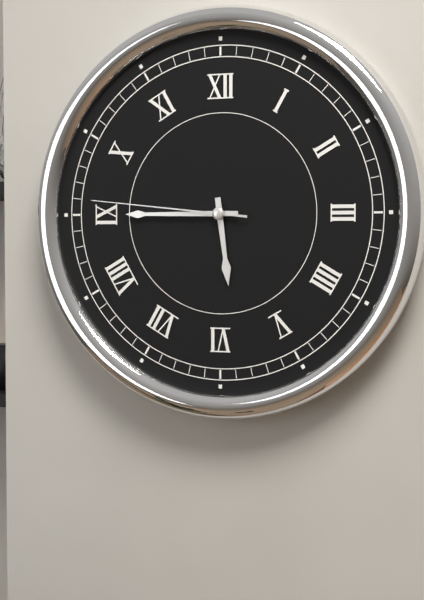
5:45:46
